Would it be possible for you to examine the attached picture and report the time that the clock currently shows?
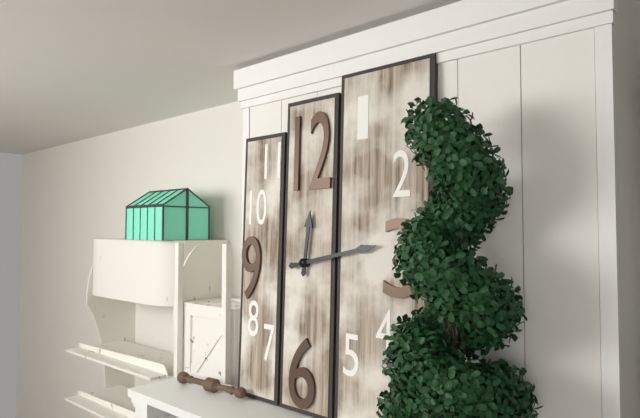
12:13
